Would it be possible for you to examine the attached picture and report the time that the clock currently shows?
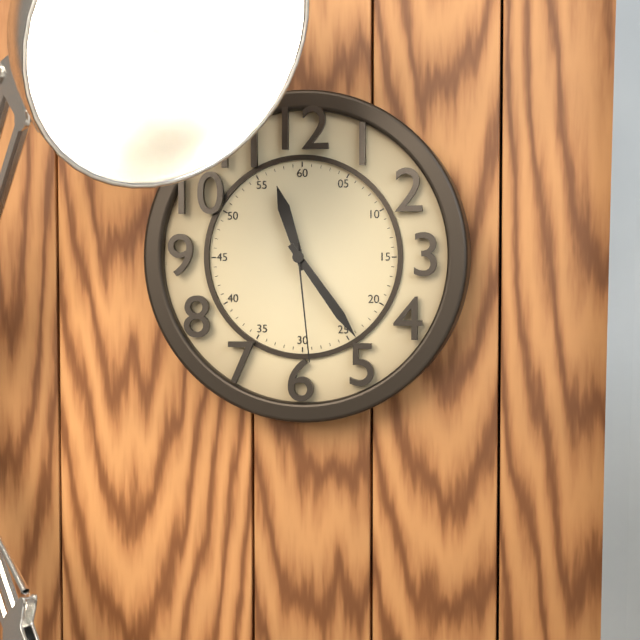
11:24:29
